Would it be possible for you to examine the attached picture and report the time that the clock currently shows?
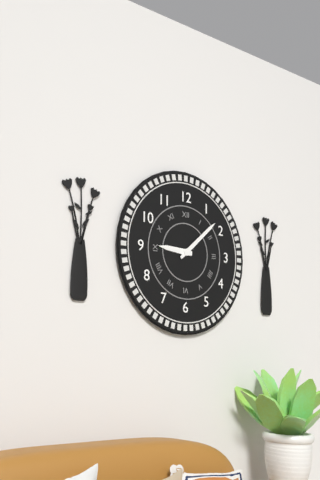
9:08
